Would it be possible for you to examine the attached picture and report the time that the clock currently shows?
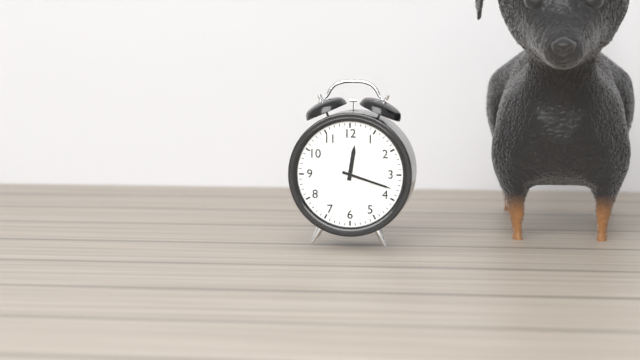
12:18
